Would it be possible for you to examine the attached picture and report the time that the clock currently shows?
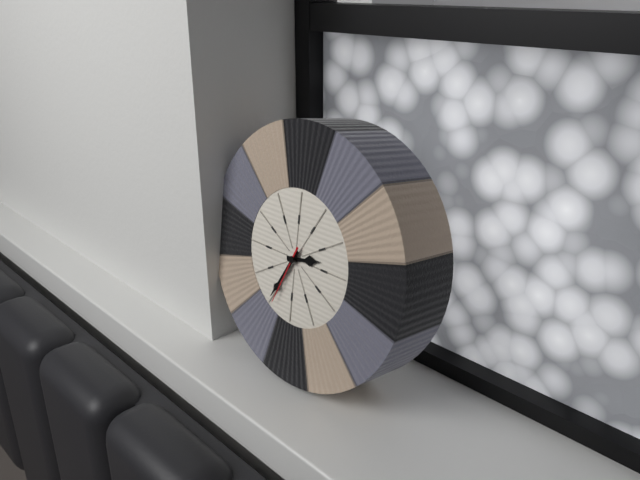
2:35:34
